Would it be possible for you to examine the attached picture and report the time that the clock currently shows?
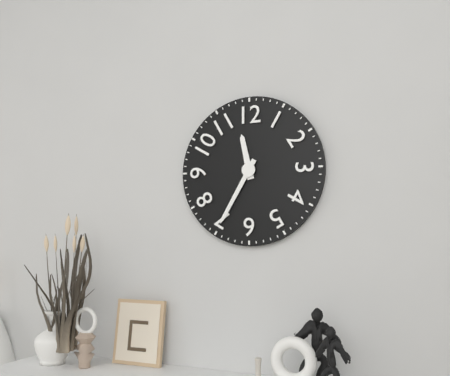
11:35
